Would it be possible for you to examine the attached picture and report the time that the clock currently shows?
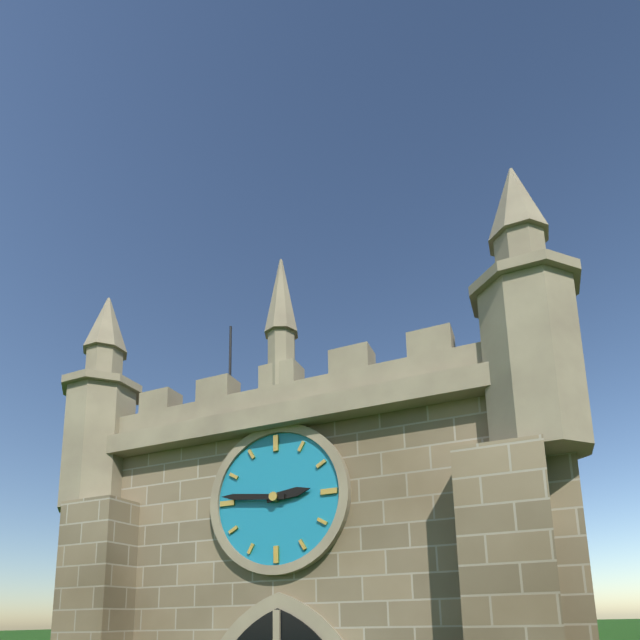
2:46
